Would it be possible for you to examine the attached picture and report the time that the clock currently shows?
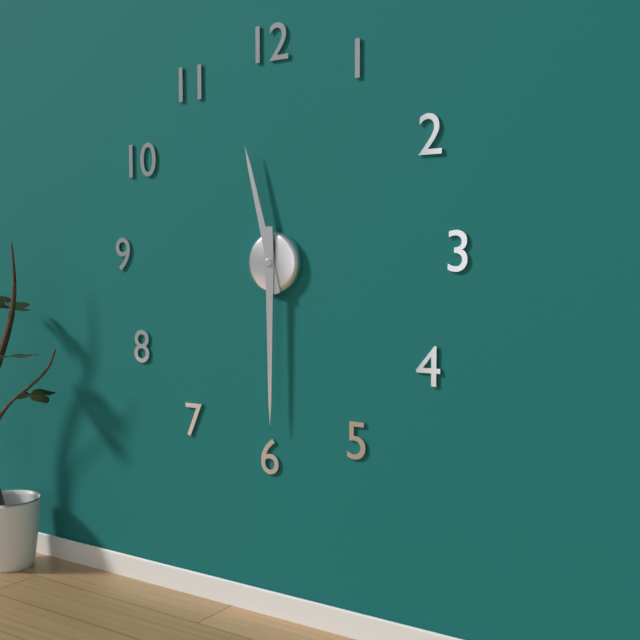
11:30
